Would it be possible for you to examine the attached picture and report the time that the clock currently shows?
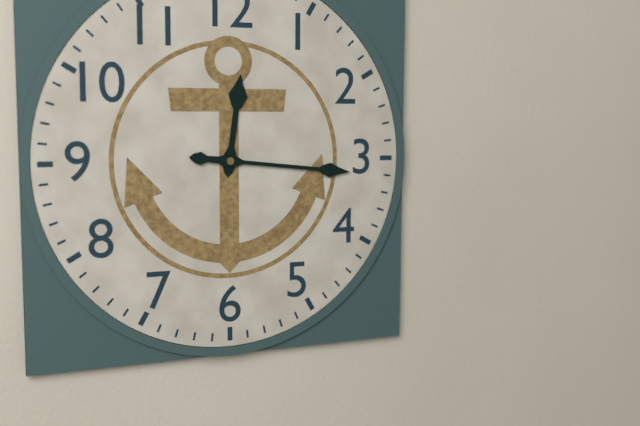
12:16
